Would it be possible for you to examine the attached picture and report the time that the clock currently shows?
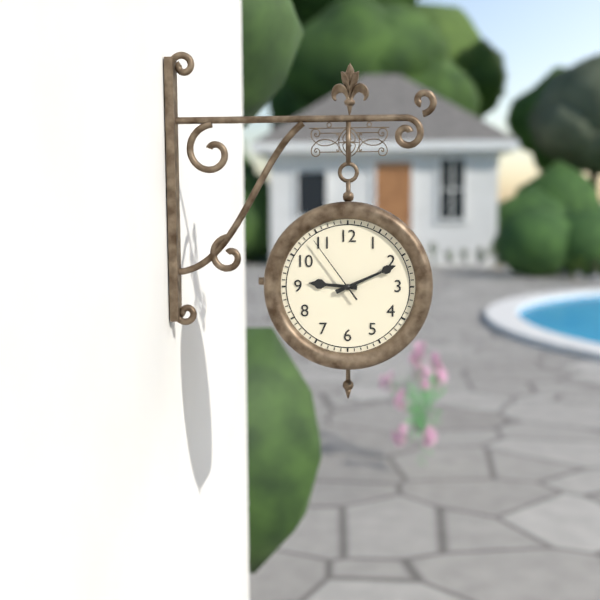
9:11:54
